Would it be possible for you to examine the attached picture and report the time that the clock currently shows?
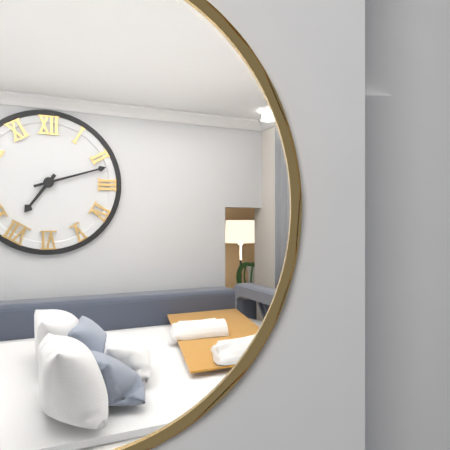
7:12
